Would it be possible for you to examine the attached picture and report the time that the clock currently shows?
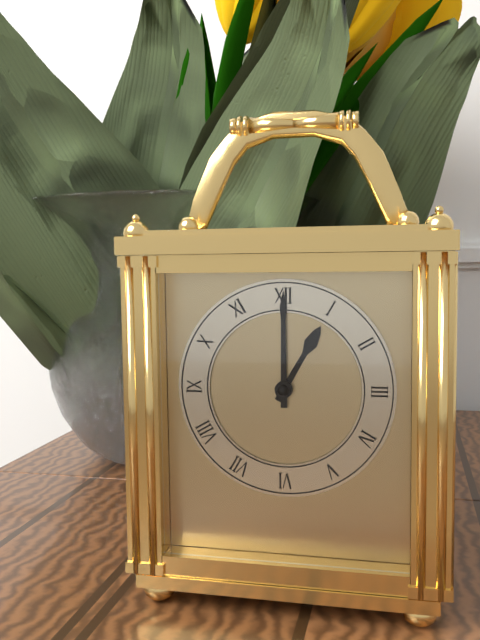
1:00
